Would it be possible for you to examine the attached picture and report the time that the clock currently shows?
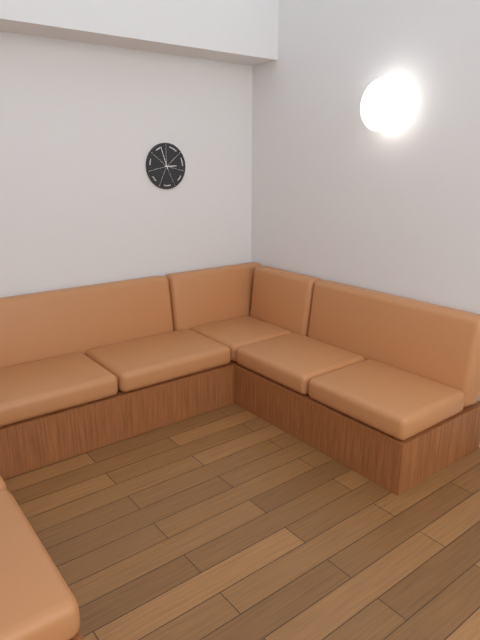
2:57
